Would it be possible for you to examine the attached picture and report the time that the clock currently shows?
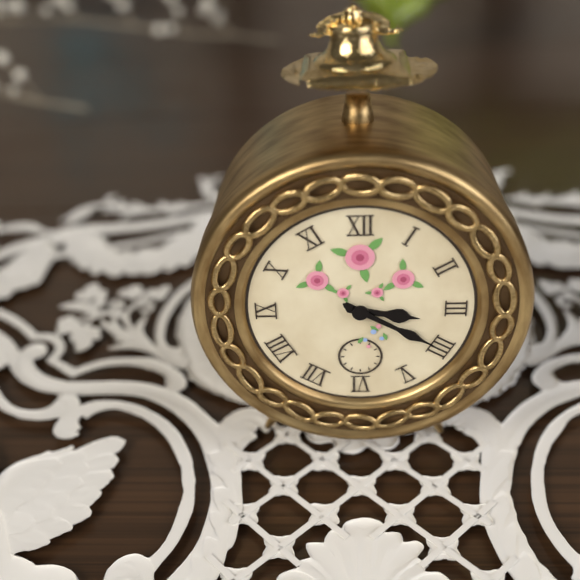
3:20
